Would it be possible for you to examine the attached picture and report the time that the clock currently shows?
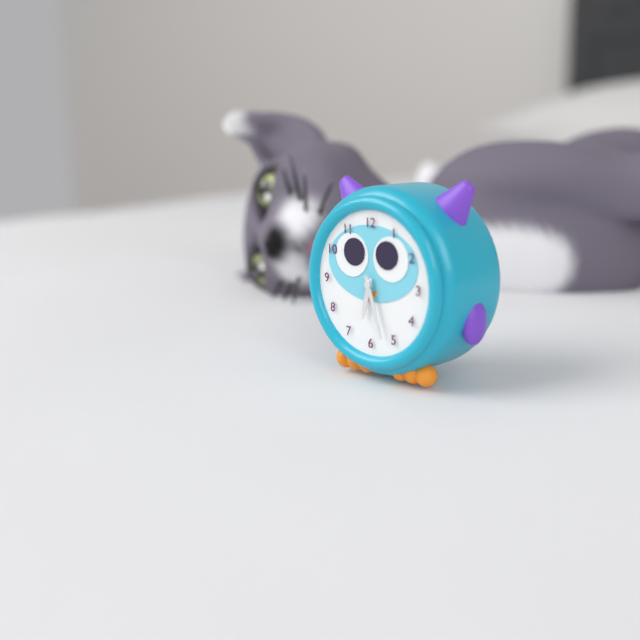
6:27
